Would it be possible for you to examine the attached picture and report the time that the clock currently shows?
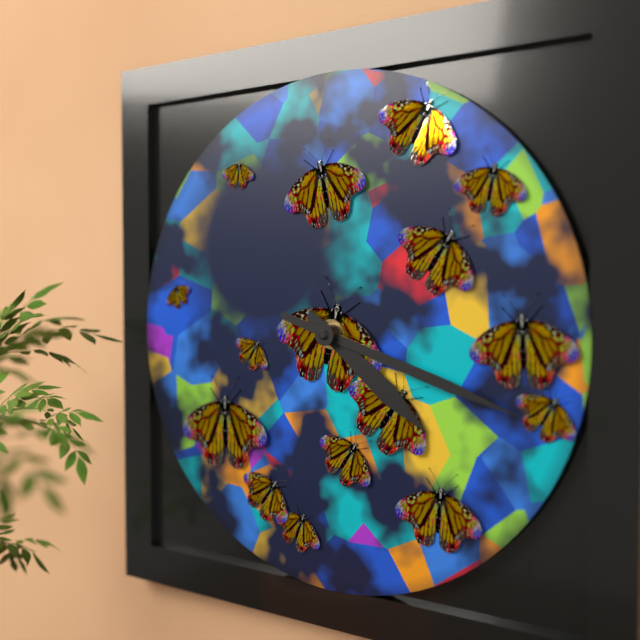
4:18
